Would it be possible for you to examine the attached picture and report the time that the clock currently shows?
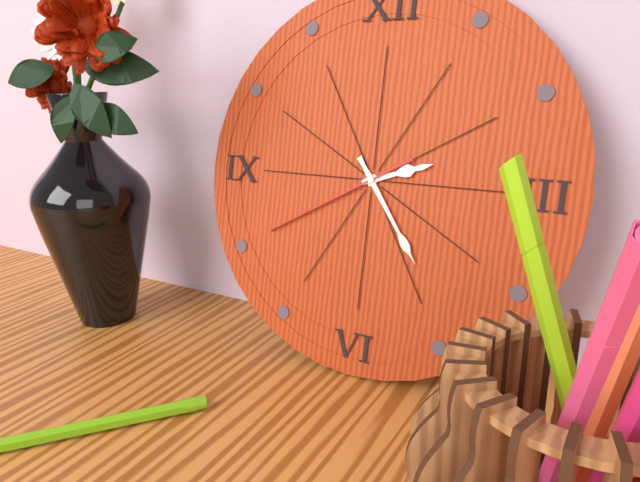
2:24:40
